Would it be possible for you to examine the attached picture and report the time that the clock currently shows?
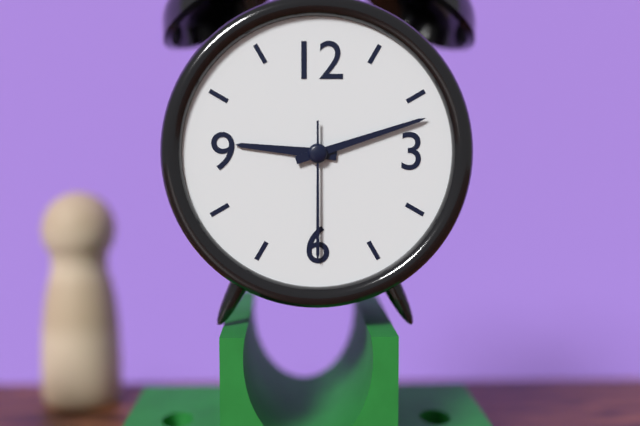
9:12:30
